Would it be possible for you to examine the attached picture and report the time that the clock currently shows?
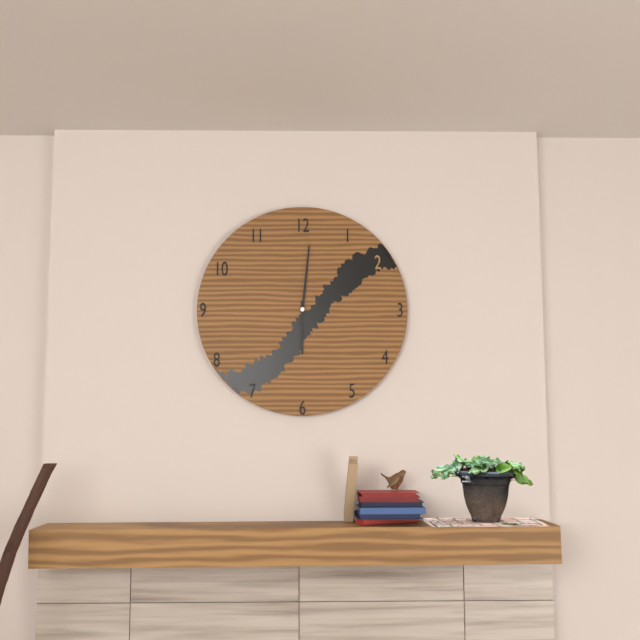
6:01
